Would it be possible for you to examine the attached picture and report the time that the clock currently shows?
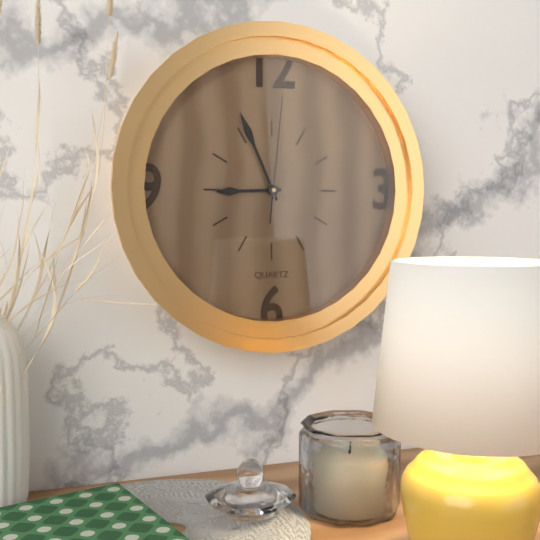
8:56:01
